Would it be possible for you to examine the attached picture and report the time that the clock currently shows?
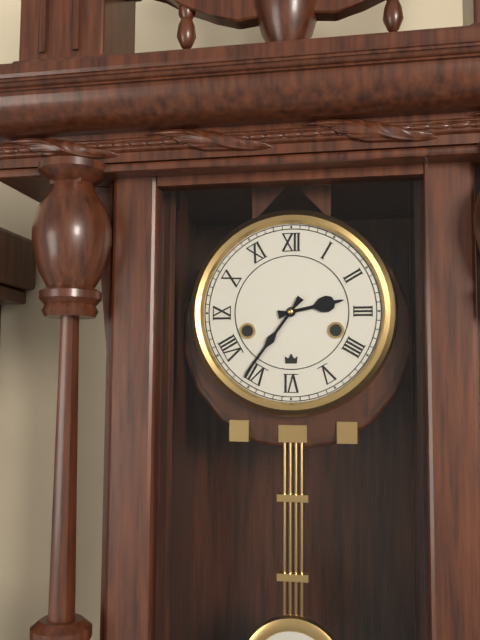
2:36
